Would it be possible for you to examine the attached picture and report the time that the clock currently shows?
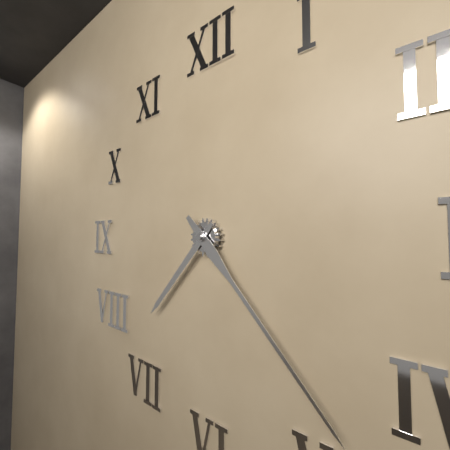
7:23
